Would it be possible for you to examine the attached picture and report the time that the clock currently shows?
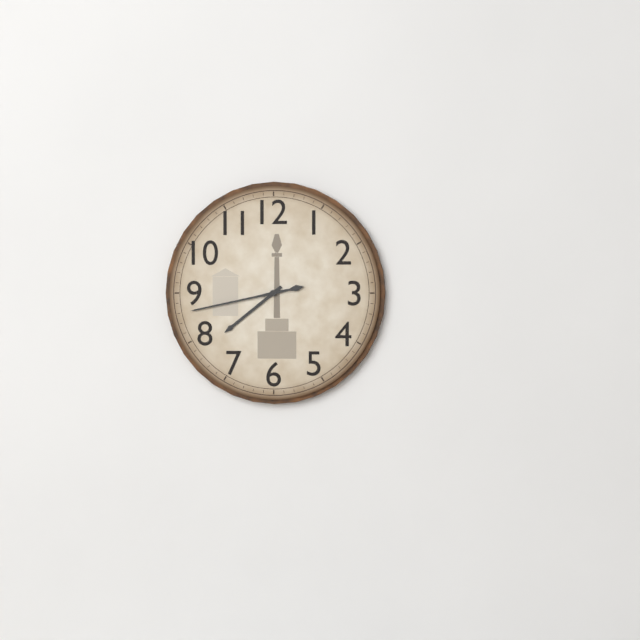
7:43
